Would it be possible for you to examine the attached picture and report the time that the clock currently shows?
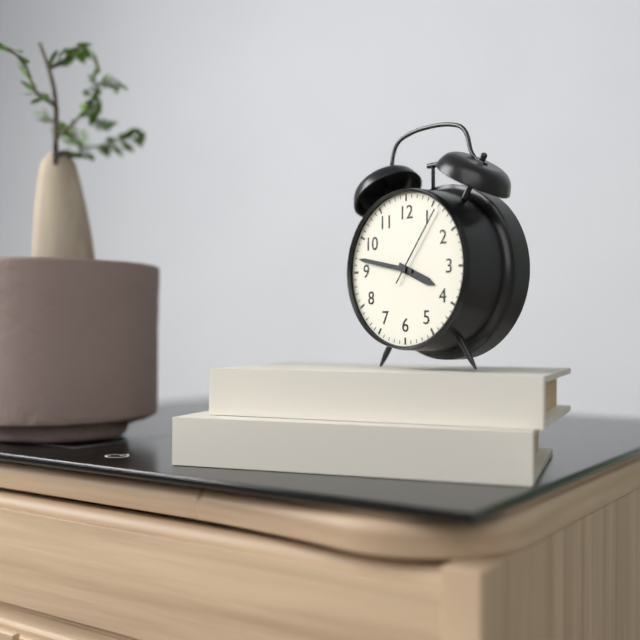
3:47:06
